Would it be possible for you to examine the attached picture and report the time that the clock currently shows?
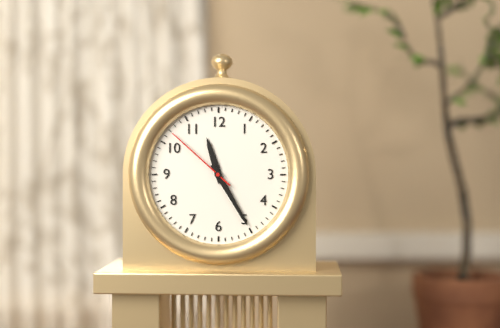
11:25:52
